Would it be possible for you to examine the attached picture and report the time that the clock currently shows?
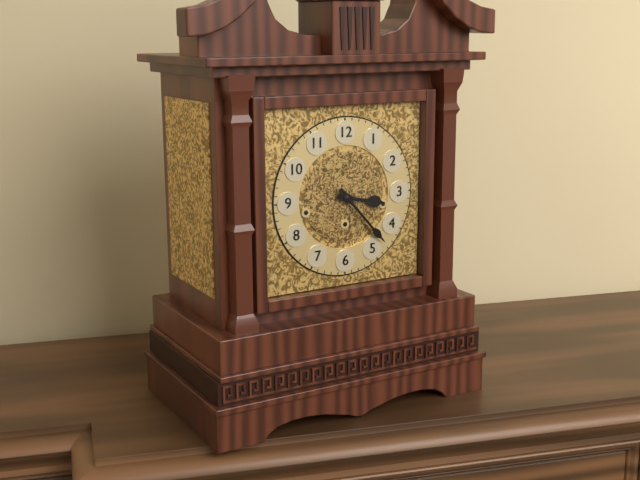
3:23
